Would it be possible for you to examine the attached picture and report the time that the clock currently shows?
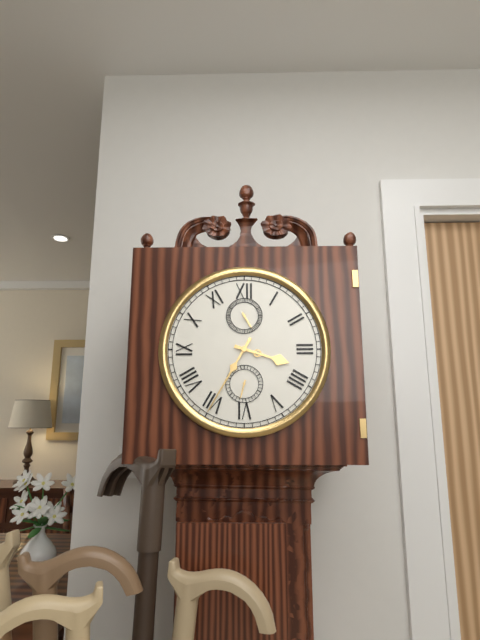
3:35
